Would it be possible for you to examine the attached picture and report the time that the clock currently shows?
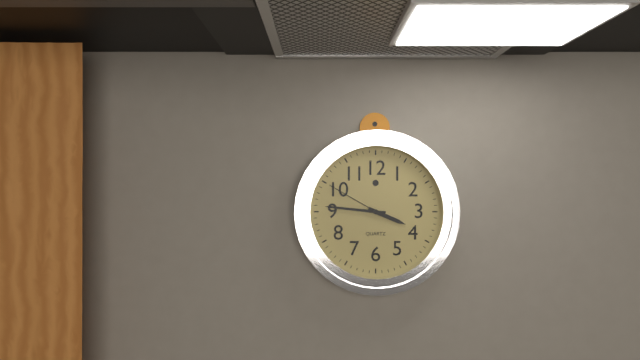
3:46:50
